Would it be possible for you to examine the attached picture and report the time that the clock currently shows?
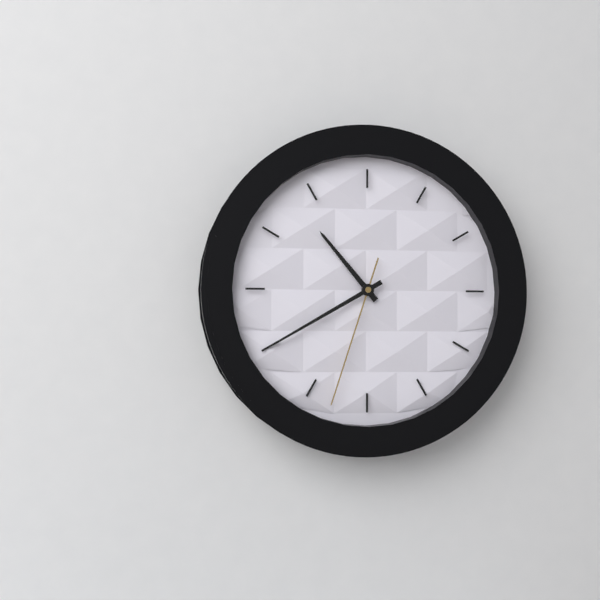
10:40:33
